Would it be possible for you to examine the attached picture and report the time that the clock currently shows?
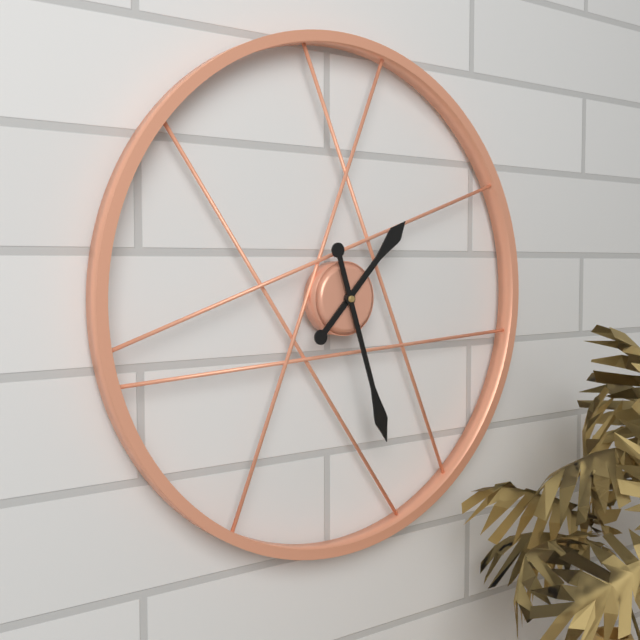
1:27
